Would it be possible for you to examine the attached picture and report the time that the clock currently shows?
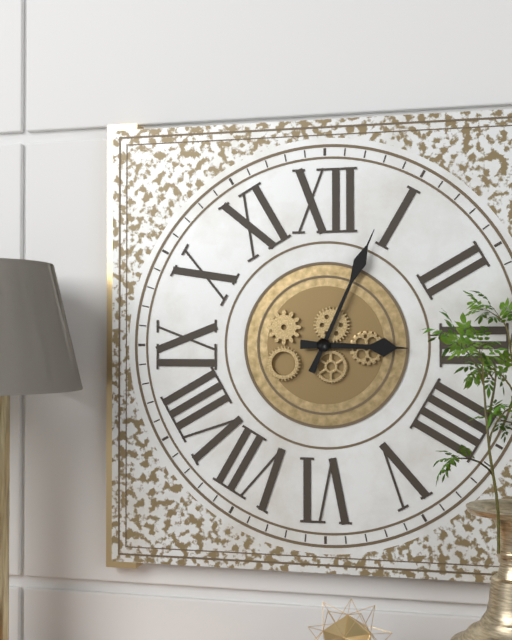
3:04
